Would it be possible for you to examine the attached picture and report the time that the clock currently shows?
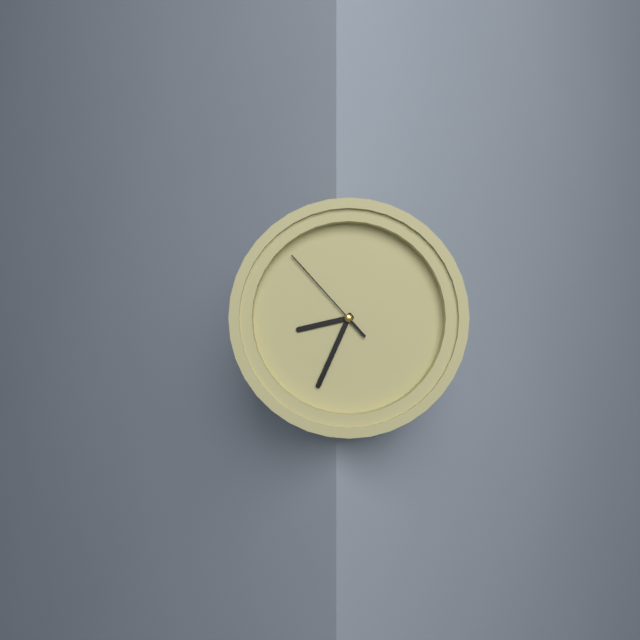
8:34:53
